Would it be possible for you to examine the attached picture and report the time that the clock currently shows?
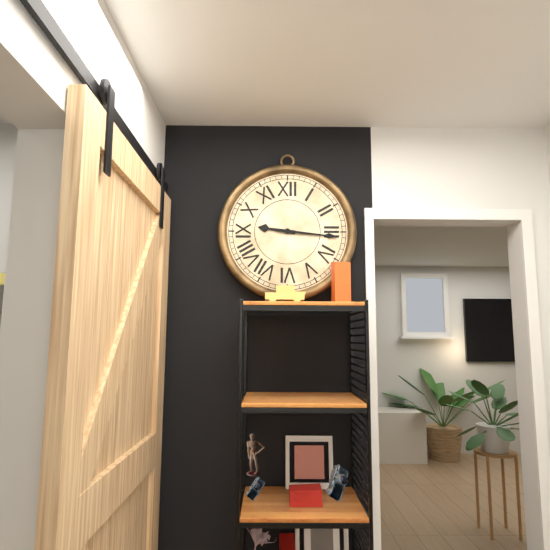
9:16
